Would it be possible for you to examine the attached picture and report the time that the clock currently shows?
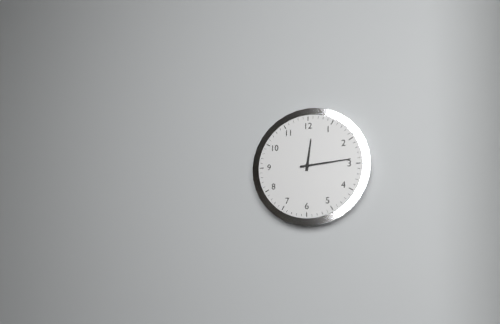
12:14
